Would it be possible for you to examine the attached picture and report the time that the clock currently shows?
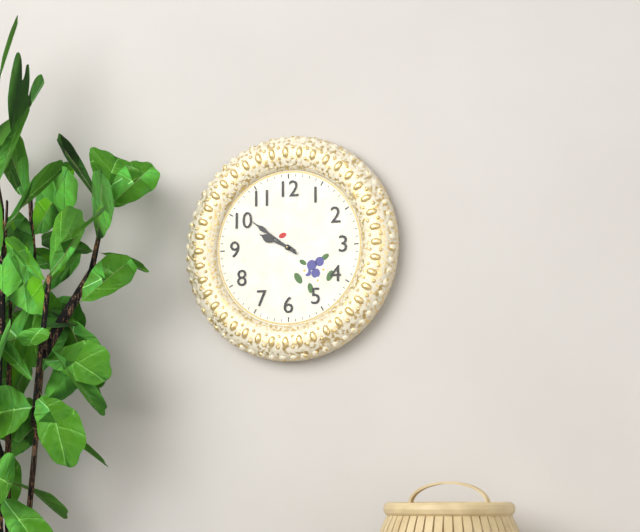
9:51
